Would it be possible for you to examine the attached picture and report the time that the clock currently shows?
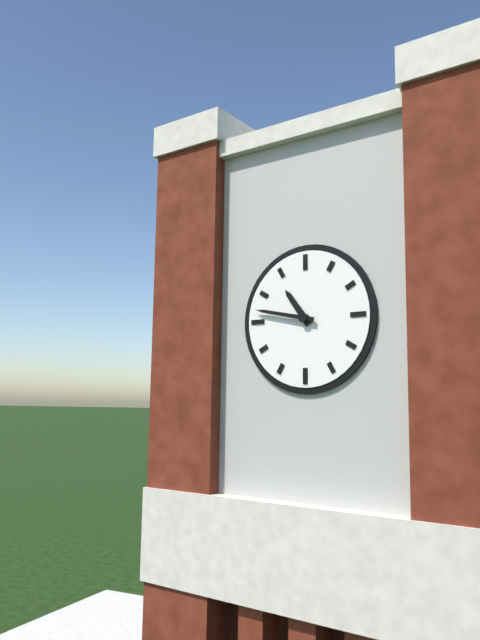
10:47
